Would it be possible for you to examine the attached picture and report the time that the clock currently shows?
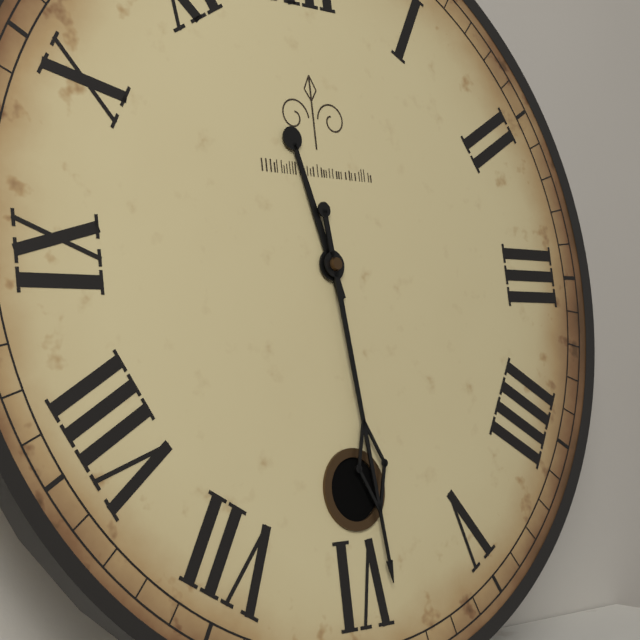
11:29
